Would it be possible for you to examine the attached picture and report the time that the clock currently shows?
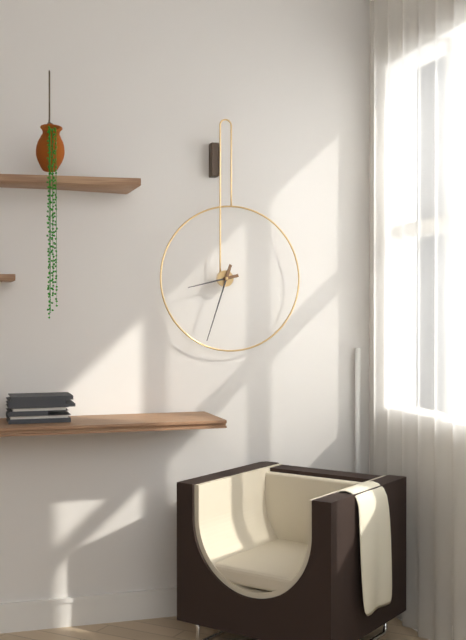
8:33
